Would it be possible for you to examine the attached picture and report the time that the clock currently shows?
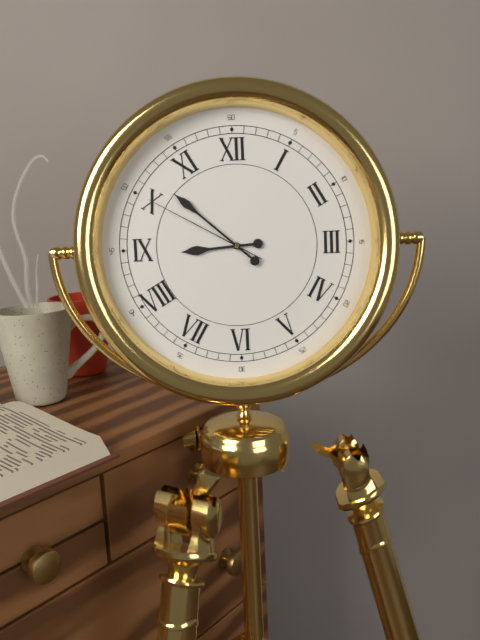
8:52:50
